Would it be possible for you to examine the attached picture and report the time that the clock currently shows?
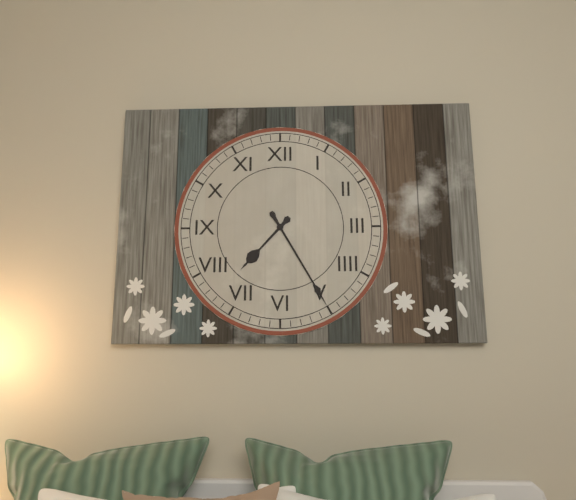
7:25
